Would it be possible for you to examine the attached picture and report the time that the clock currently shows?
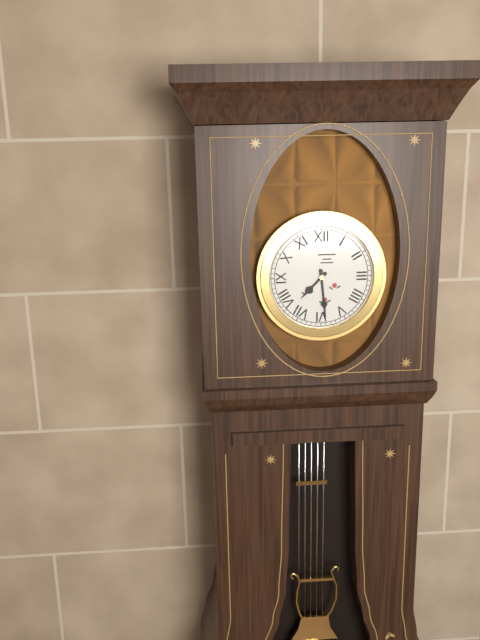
7:29
